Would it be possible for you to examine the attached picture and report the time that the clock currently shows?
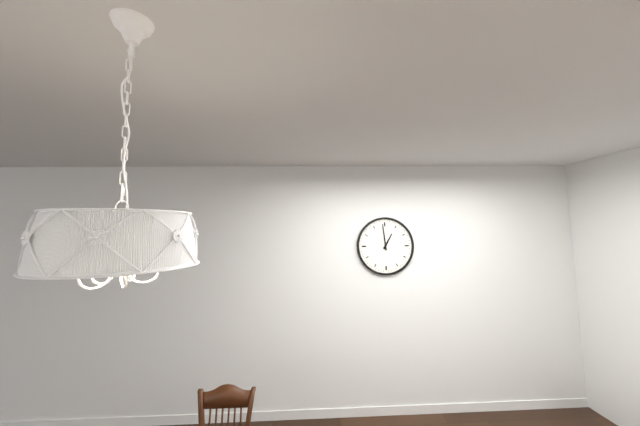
12:59
